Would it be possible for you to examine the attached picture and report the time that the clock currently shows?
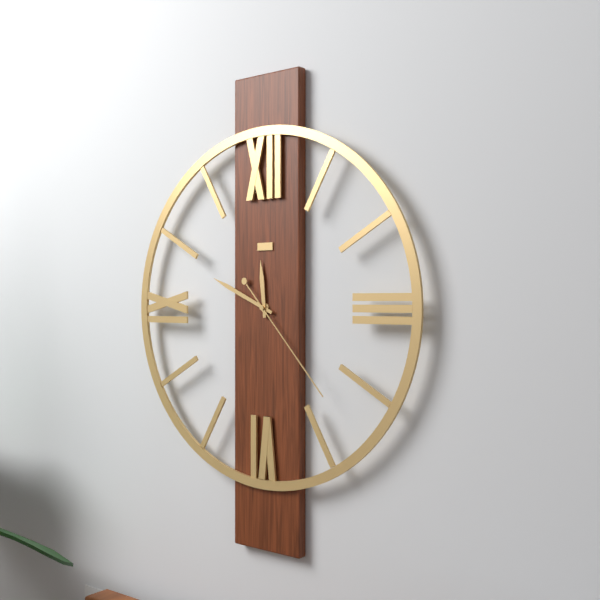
11:49:23
